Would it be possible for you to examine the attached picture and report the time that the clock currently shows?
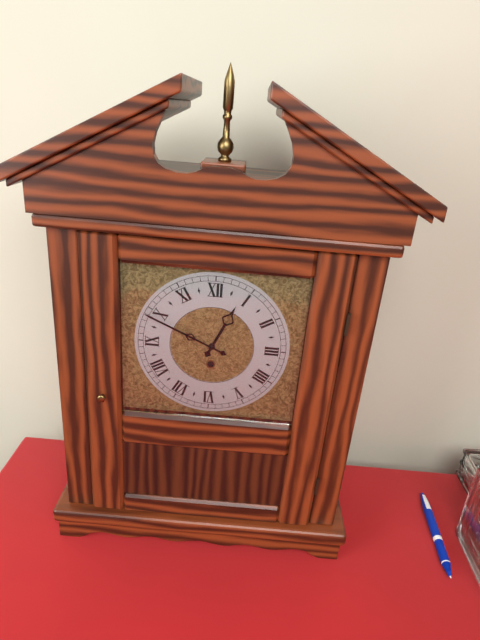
12:49
